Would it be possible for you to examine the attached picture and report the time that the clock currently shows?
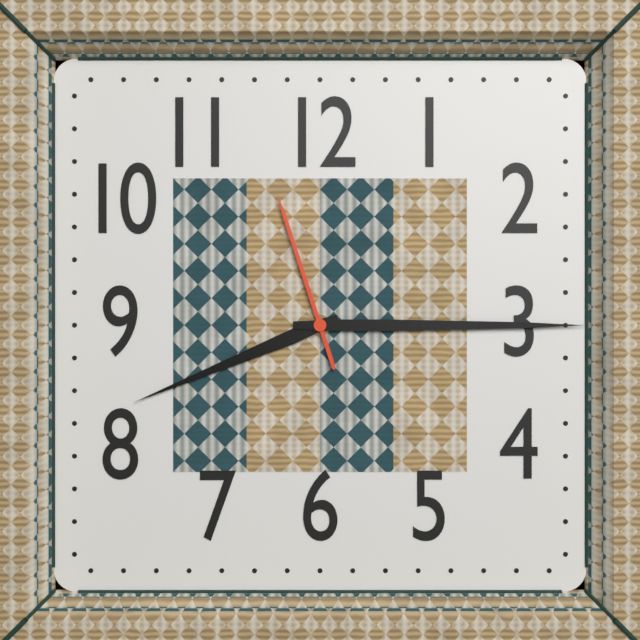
8:15:57
